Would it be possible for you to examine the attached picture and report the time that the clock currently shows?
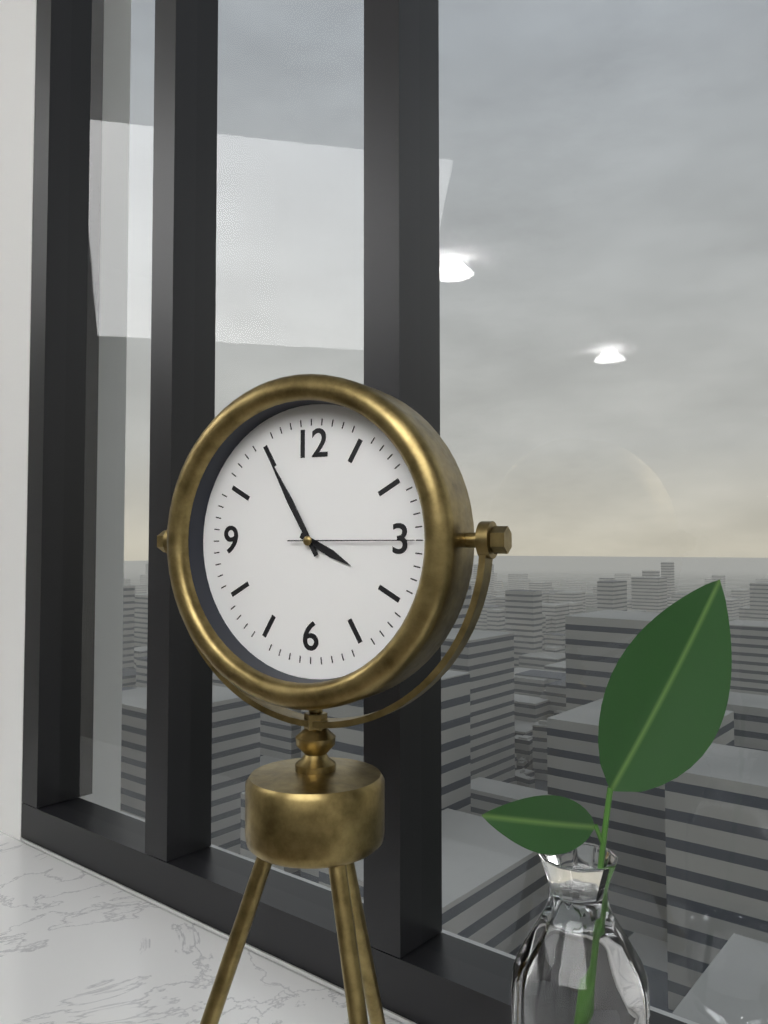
3:55:15
